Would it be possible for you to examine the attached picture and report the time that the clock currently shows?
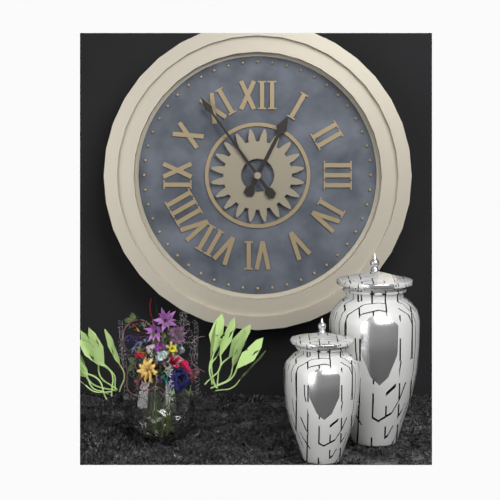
12:54
